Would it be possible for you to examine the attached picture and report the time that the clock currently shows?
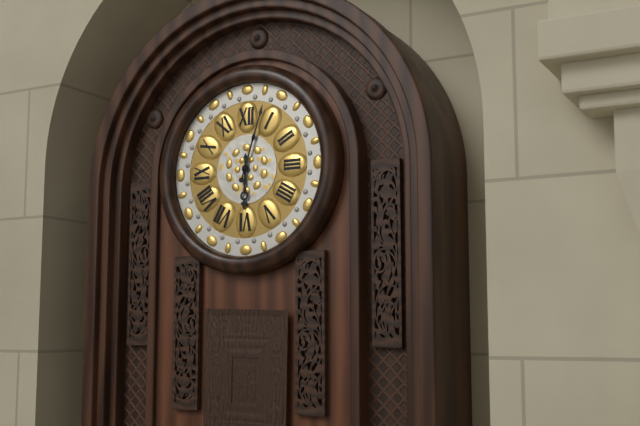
6:03
